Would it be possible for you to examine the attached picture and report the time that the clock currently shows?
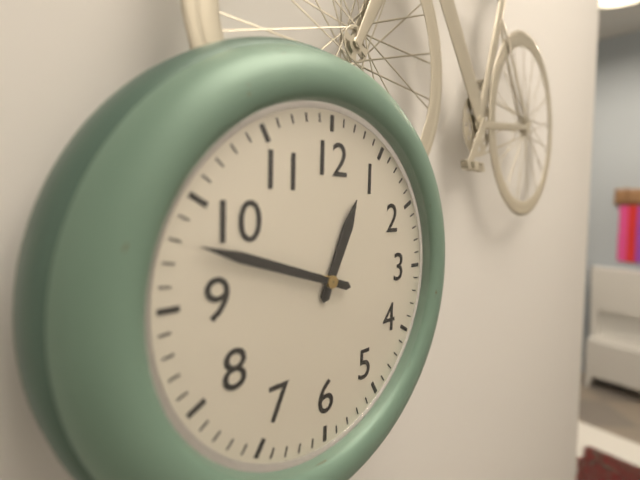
12:48
